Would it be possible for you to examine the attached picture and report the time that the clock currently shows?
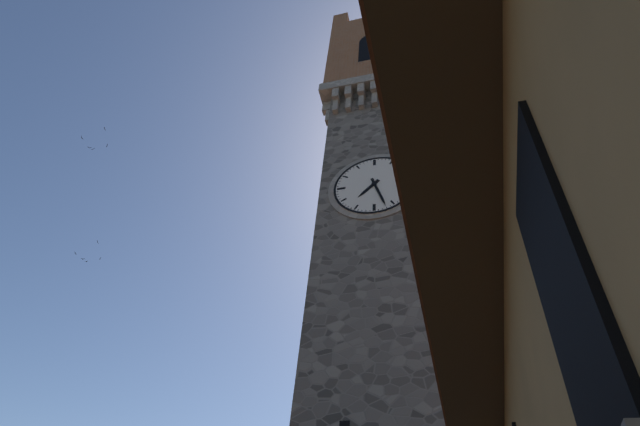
7:27
